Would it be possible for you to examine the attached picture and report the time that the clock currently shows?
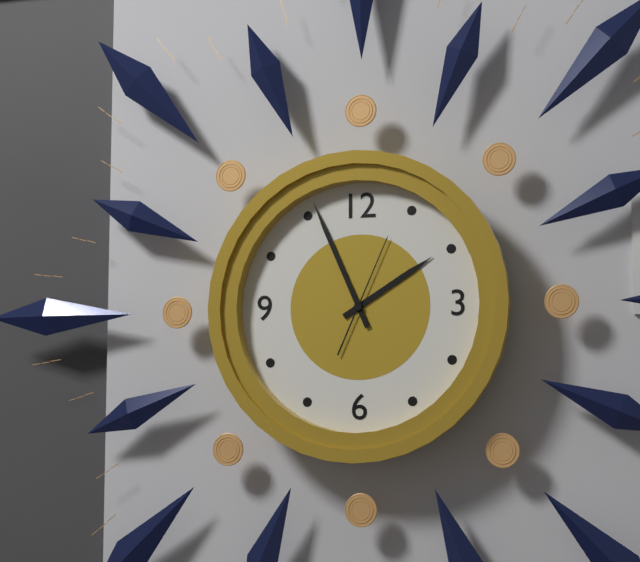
1:56:04
